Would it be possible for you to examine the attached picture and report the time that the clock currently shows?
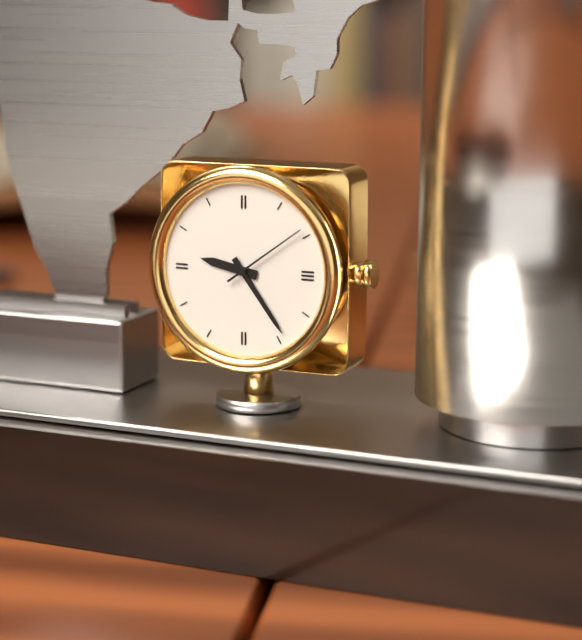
9:24:09
